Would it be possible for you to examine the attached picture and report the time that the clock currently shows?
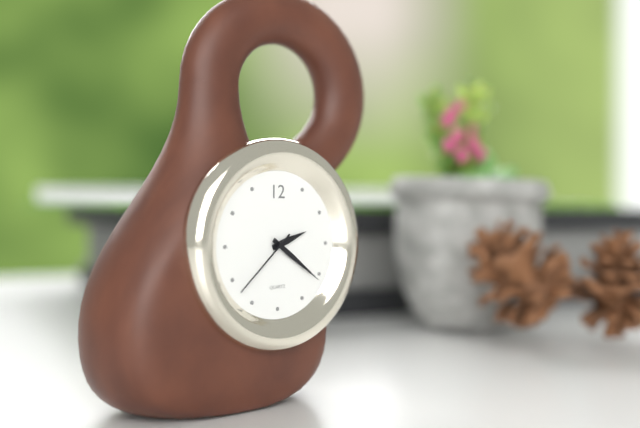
2:21:38
